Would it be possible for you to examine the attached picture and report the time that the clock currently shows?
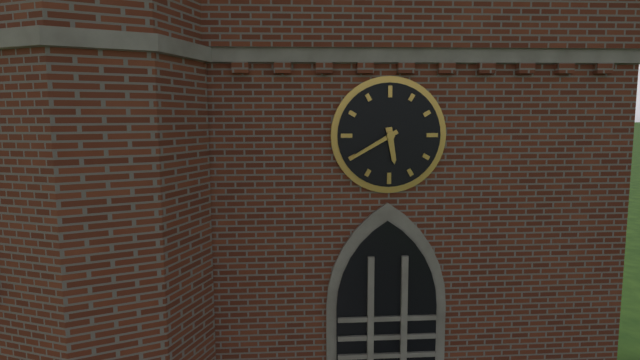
5:40
